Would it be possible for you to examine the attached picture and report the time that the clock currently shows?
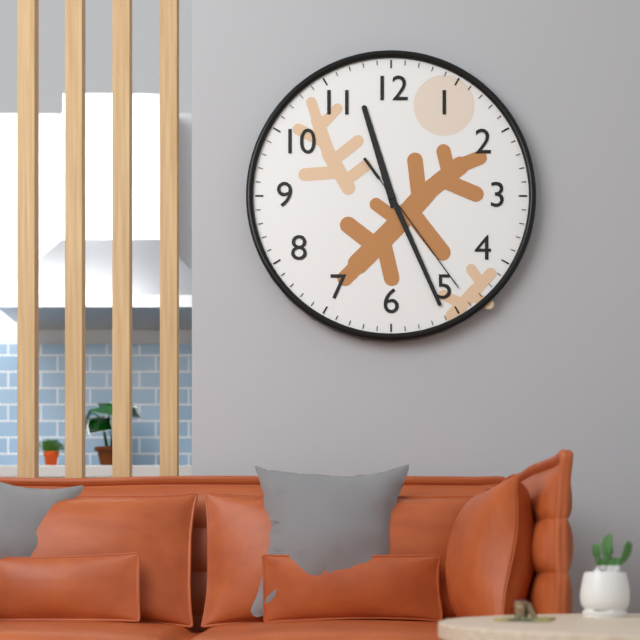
11:26:24
